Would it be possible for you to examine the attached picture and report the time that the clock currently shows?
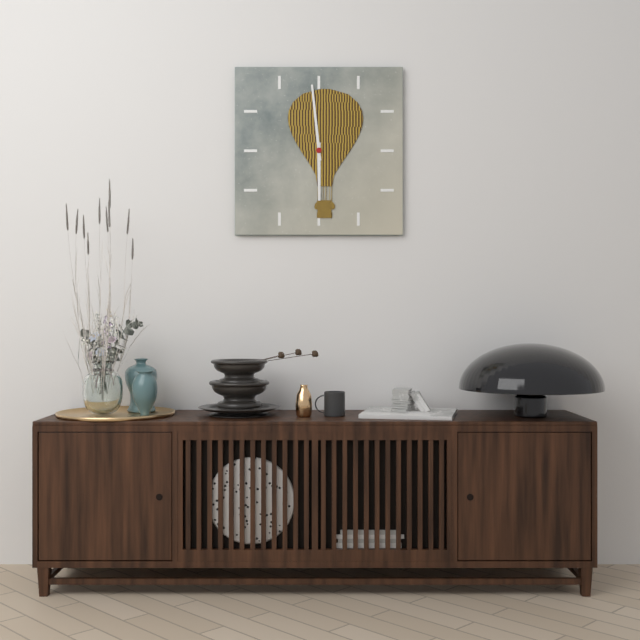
5:59
